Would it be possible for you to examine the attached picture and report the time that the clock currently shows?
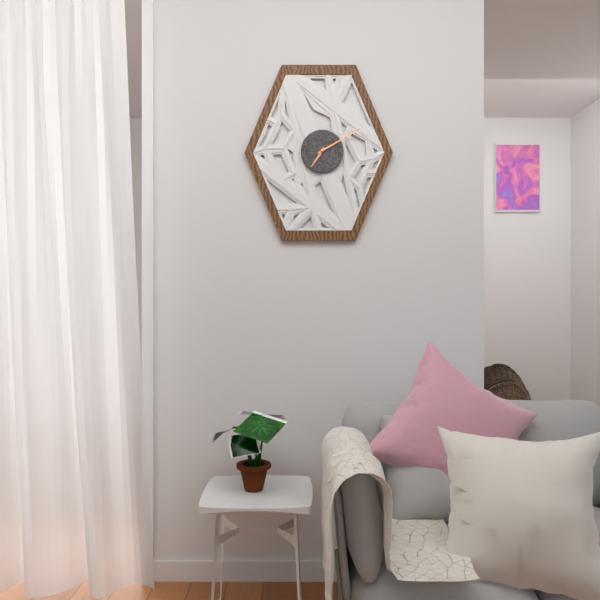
7:10
